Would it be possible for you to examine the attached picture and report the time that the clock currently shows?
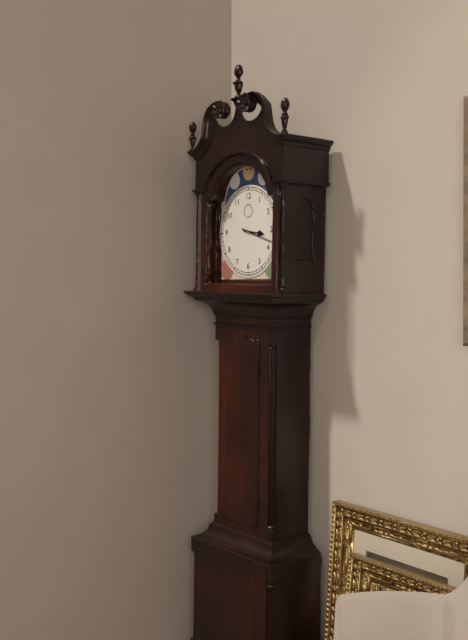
3:18
